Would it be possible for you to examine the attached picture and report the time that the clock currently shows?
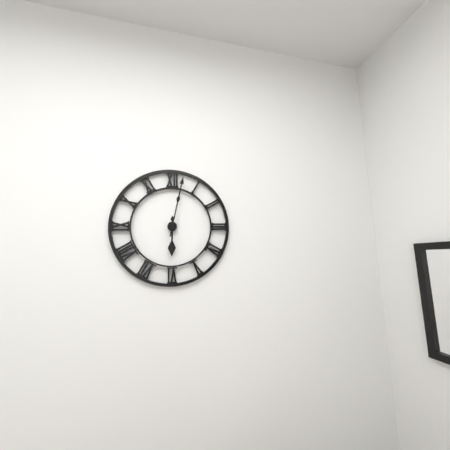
6:02
